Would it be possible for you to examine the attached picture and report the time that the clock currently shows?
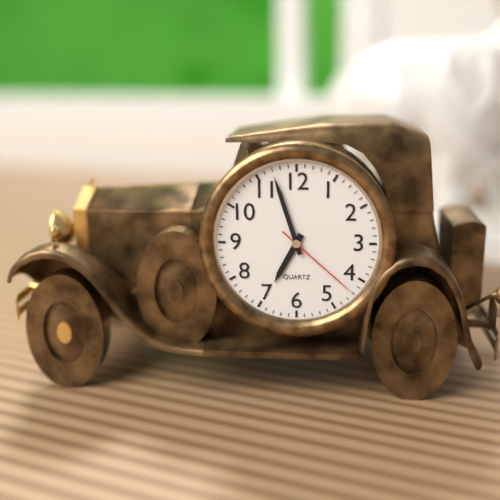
6:57:22
